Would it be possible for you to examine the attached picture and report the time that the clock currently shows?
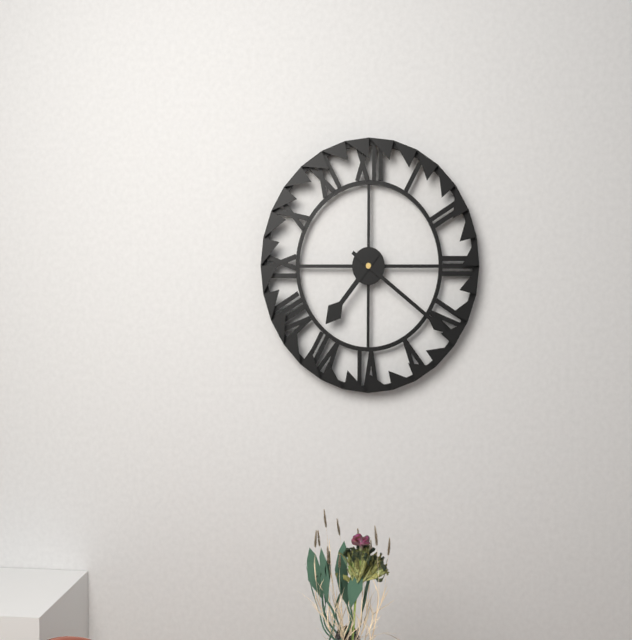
7:21
